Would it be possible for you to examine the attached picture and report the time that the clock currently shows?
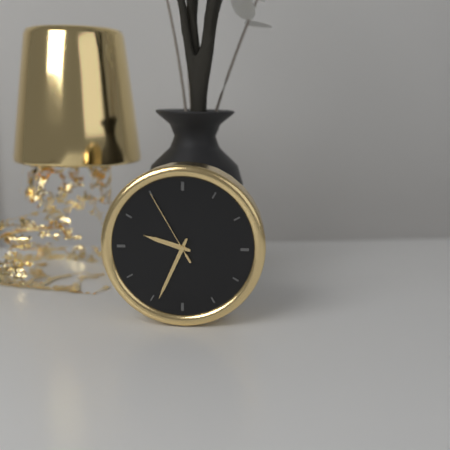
9:34:55
